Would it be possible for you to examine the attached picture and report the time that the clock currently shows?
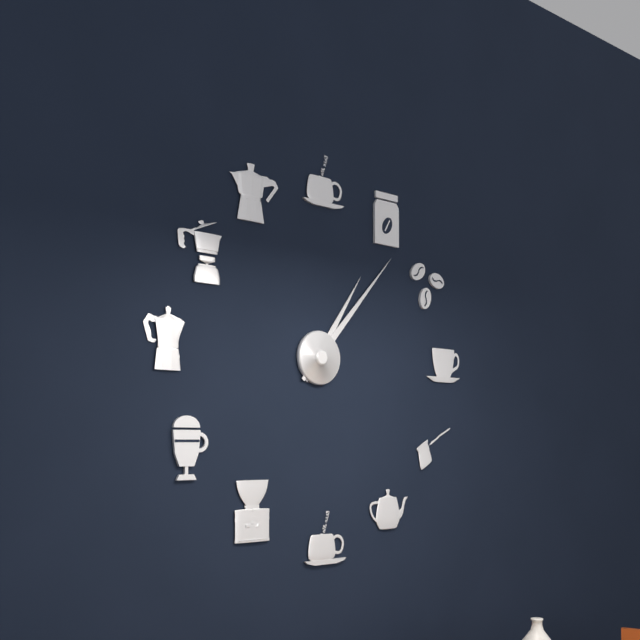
1:07
